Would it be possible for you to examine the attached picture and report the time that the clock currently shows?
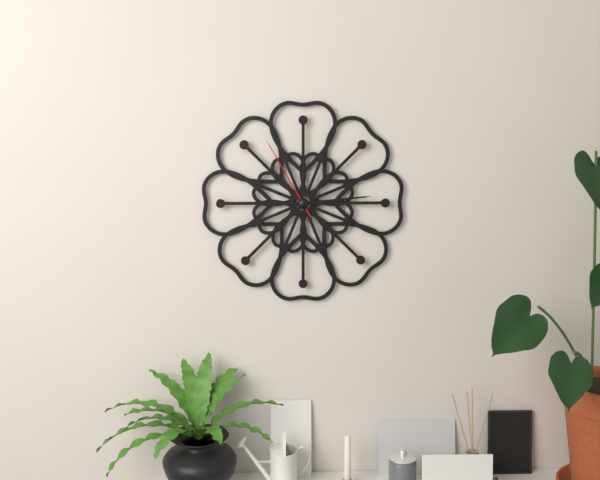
5:14:55
